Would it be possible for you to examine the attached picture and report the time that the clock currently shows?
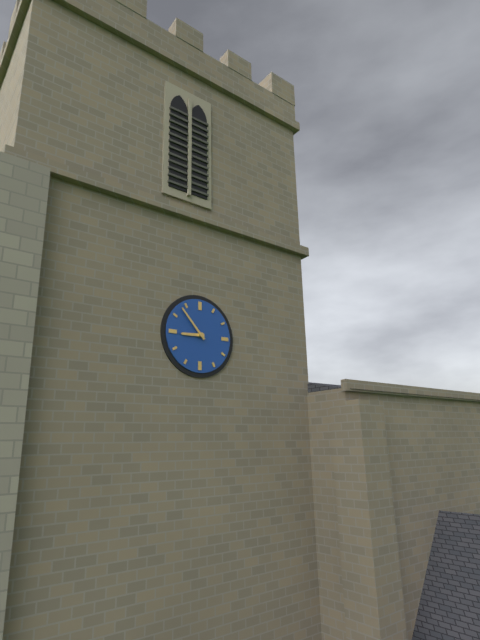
8:53
